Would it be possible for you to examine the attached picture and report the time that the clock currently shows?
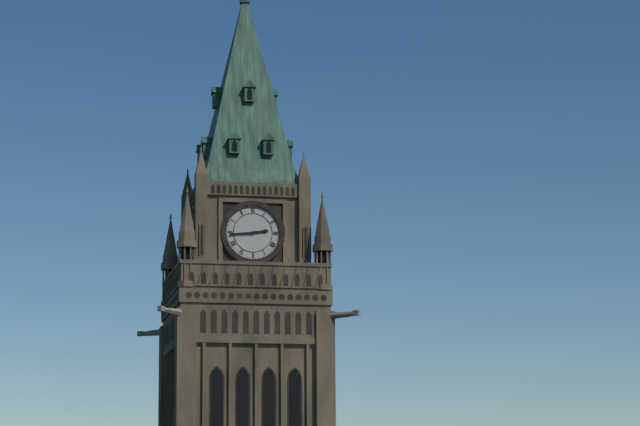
2:44
